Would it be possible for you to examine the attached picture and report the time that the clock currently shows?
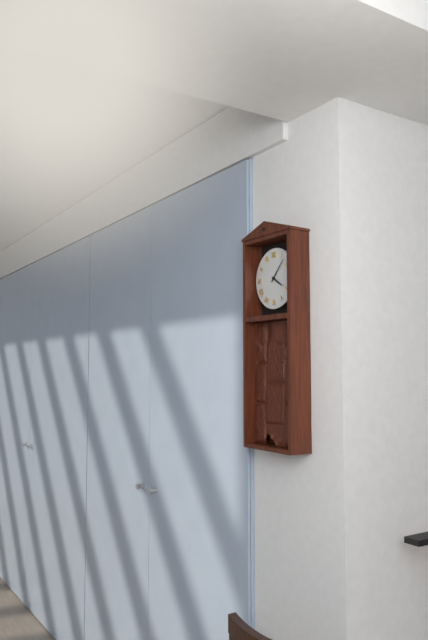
4:07
